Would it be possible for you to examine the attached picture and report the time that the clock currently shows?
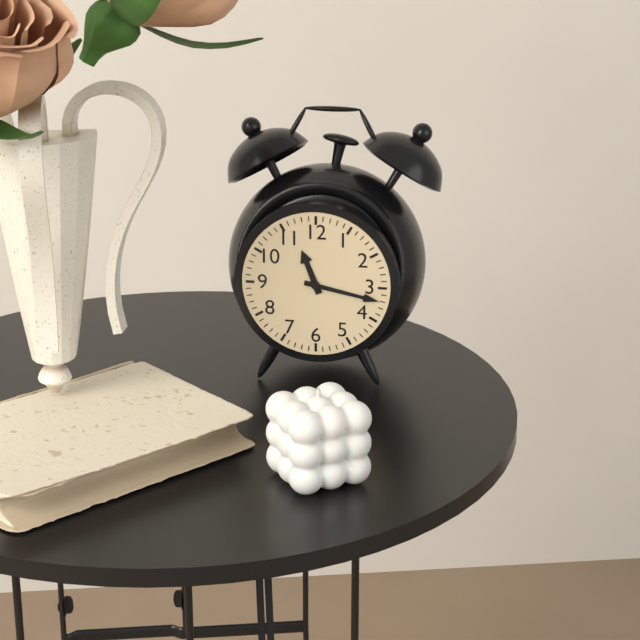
11:17
